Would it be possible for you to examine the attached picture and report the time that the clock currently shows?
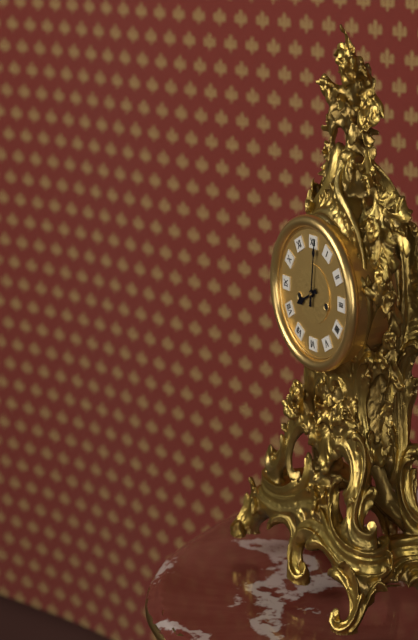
8:01
